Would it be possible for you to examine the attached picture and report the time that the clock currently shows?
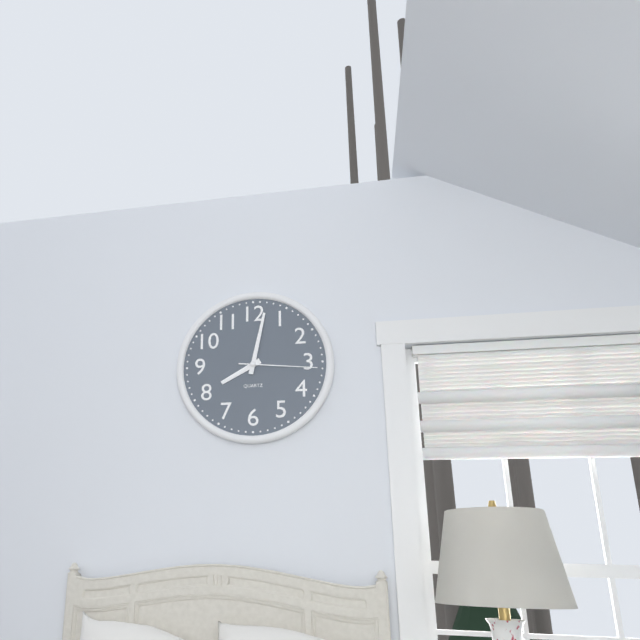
8:02:16
